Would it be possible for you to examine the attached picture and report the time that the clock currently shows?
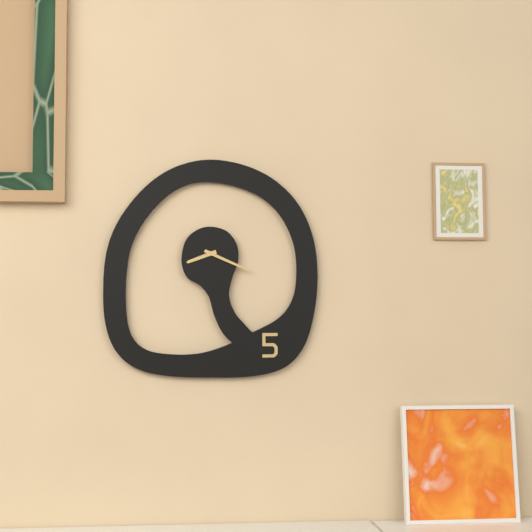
8:19
